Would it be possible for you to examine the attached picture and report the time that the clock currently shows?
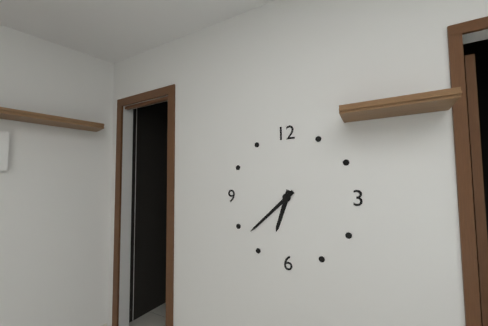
6:38
